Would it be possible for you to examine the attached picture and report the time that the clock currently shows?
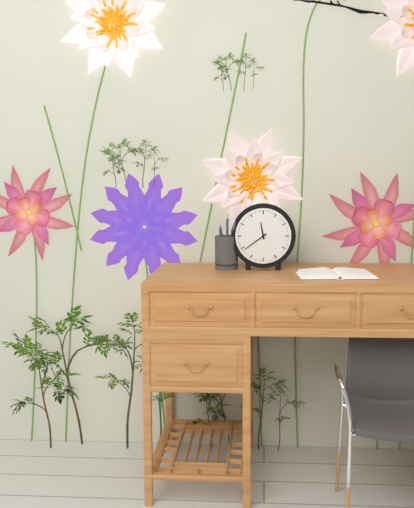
11:39
